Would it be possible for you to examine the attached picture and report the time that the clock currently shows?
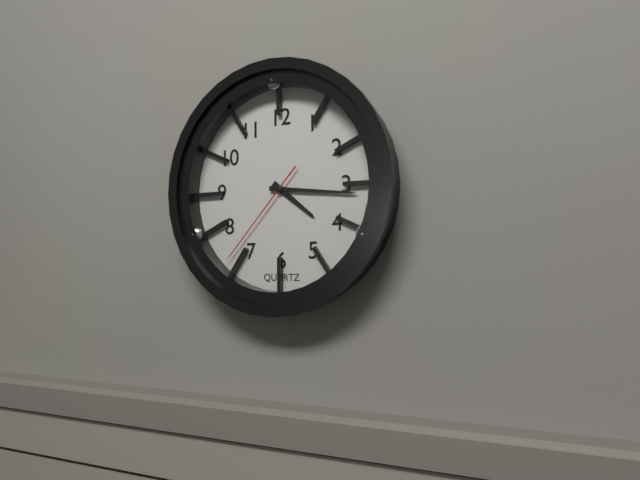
4:16:37
